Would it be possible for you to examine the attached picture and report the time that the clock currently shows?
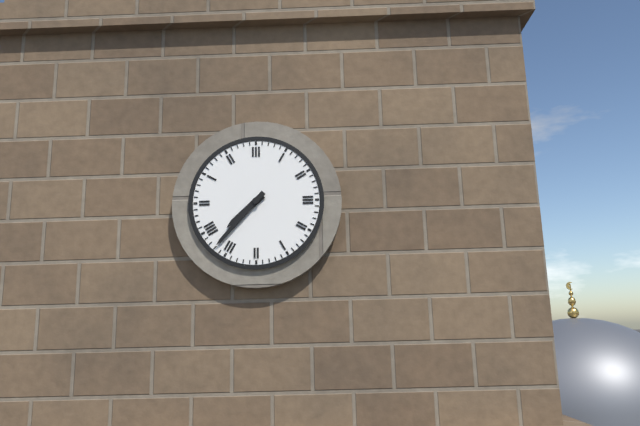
7:37
